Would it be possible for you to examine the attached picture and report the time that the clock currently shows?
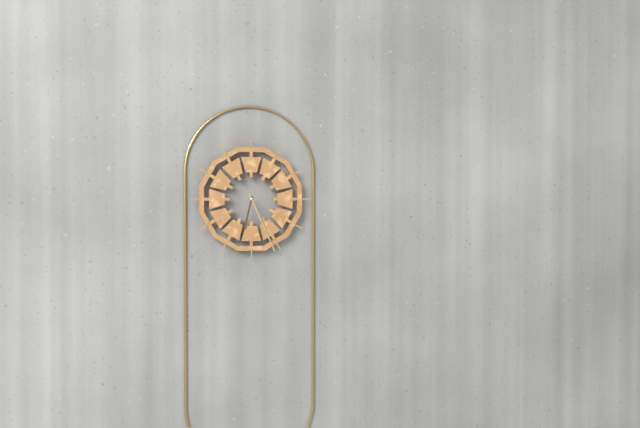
6:26
